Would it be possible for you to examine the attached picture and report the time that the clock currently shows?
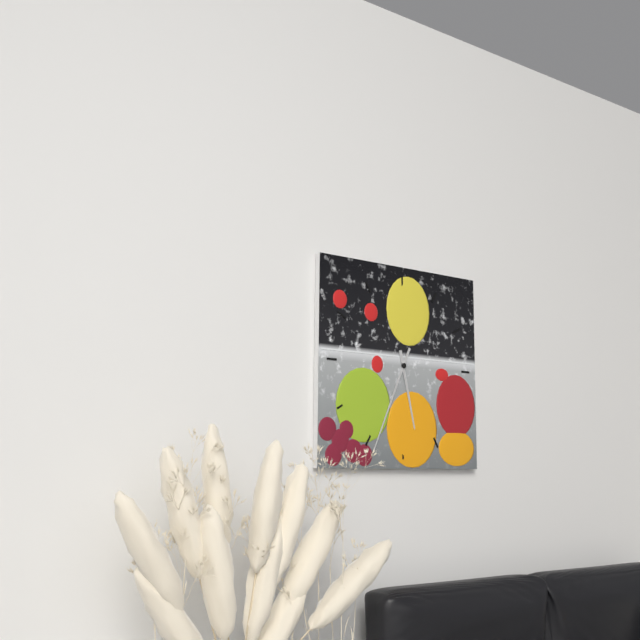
5:34
